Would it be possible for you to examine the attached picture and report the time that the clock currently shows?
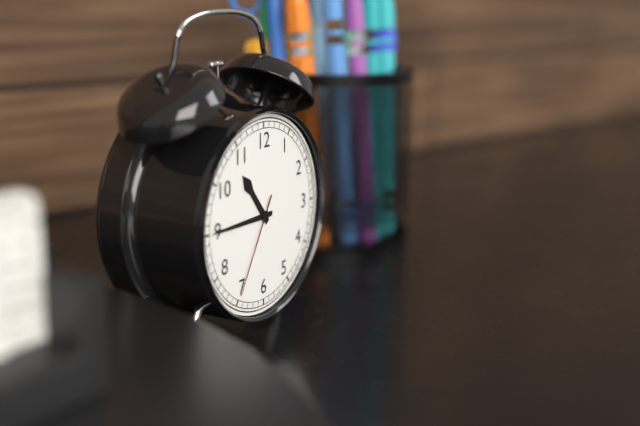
10:45:35
